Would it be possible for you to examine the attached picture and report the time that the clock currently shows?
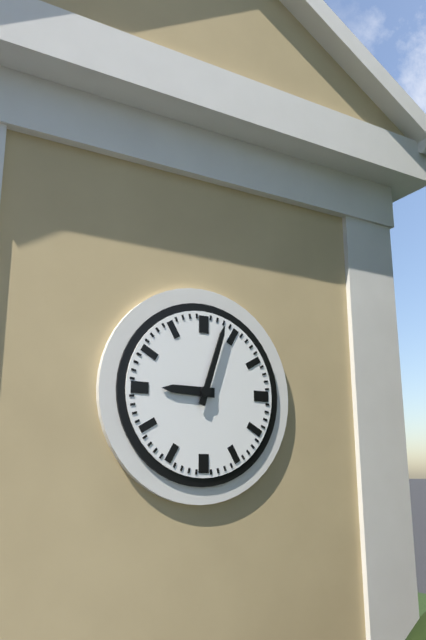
9:03
